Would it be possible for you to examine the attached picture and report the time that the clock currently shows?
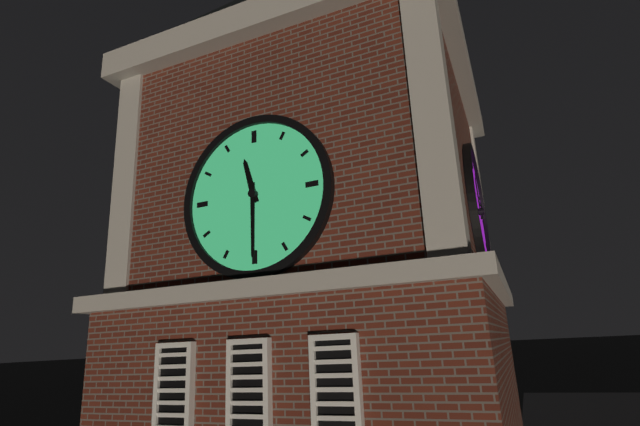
11:30
